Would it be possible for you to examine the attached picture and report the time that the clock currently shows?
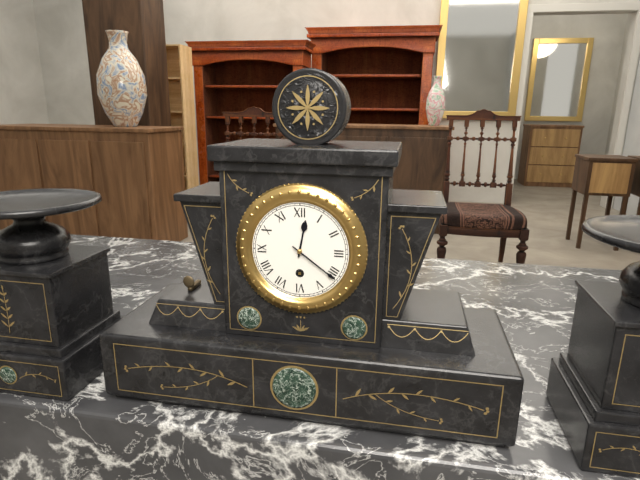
12:21
